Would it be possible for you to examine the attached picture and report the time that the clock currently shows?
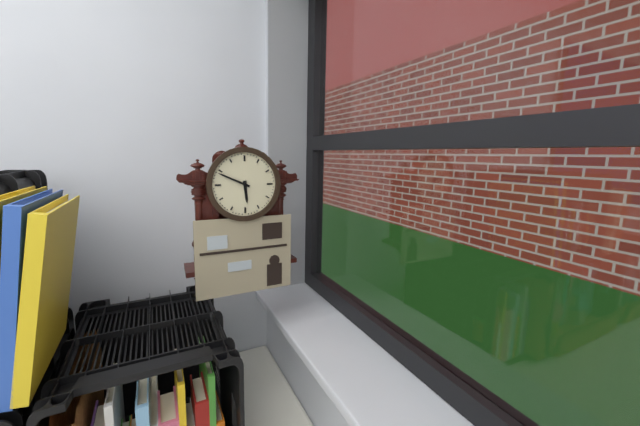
5:49
